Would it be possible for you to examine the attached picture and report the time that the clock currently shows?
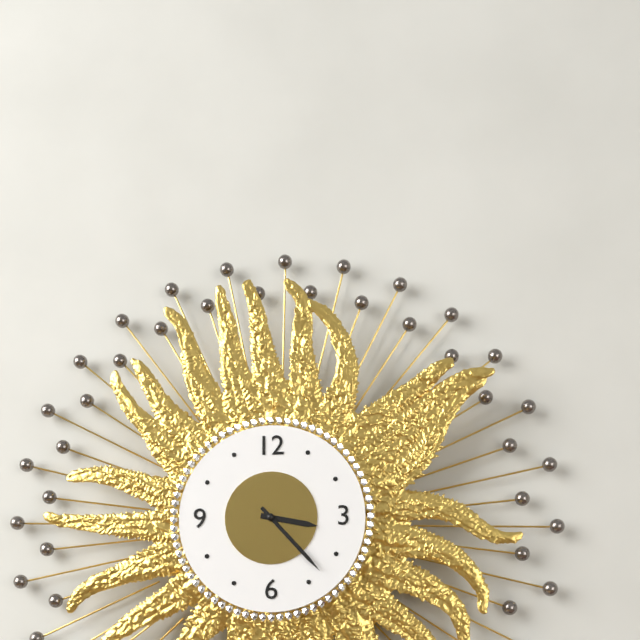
3:23
